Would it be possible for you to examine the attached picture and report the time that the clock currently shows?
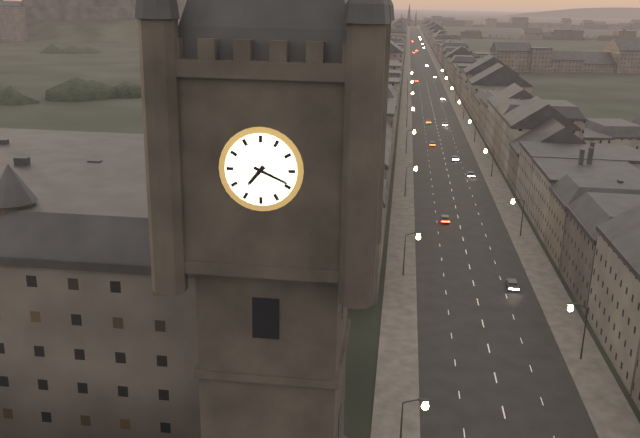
7:19
